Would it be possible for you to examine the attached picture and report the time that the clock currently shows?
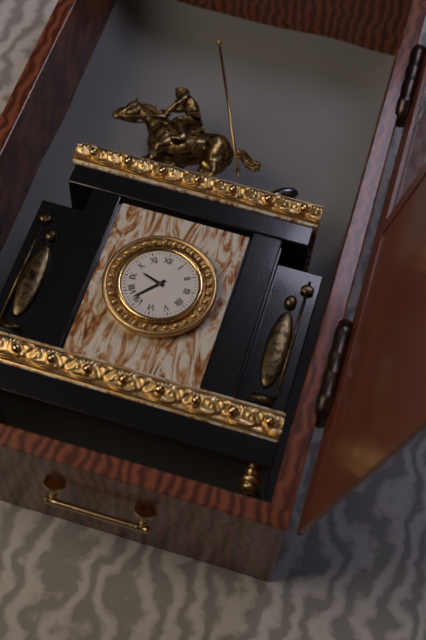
9:37
